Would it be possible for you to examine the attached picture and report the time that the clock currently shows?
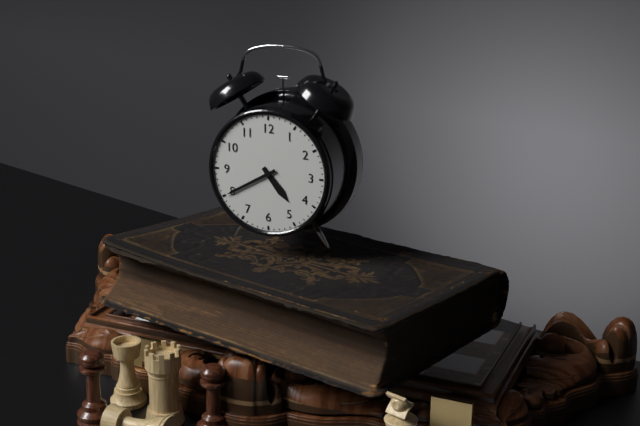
4:40
